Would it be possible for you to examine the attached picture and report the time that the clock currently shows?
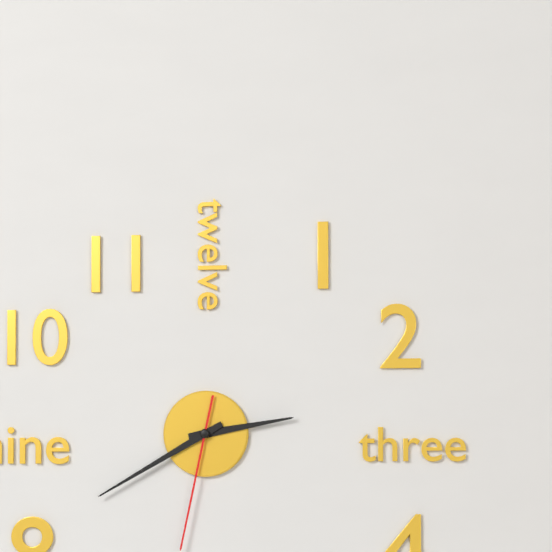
2:40:32
